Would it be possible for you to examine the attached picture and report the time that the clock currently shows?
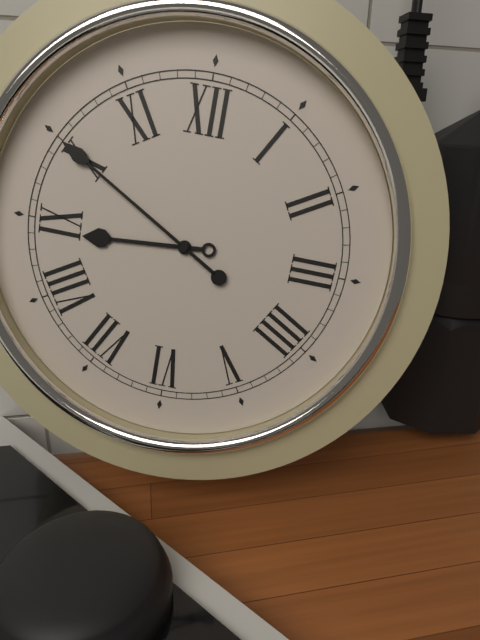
8:50
